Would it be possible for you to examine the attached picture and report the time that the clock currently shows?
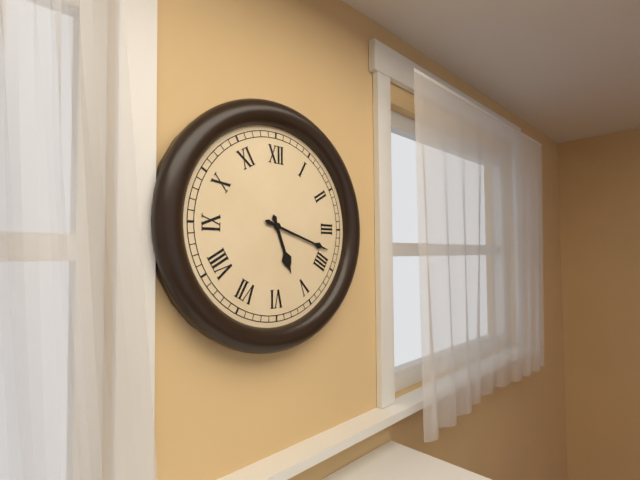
5:18
